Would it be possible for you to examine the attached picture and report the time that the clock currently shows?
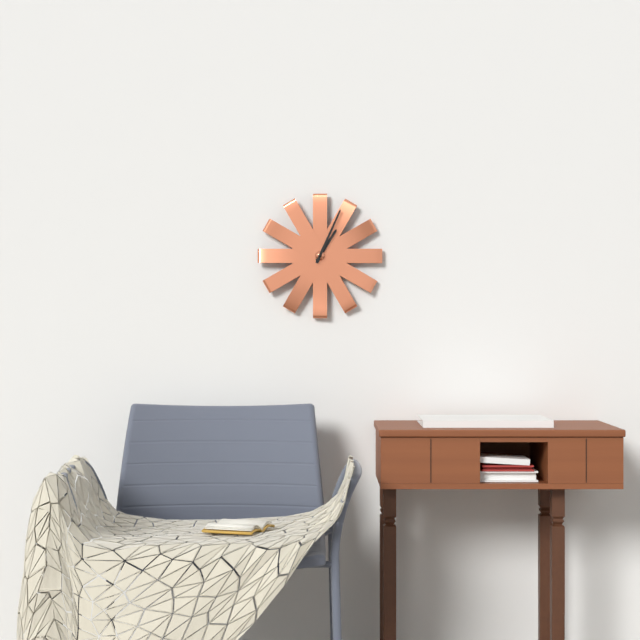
1:04
